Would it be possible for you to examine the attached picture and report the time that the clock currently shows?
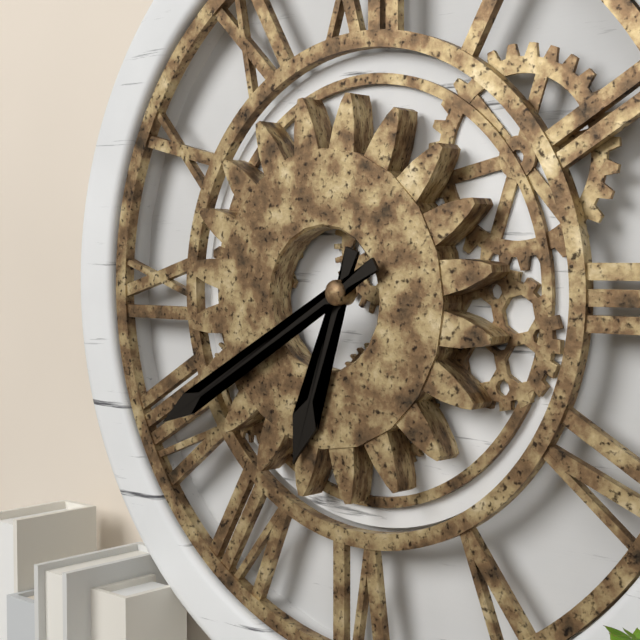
6:40
